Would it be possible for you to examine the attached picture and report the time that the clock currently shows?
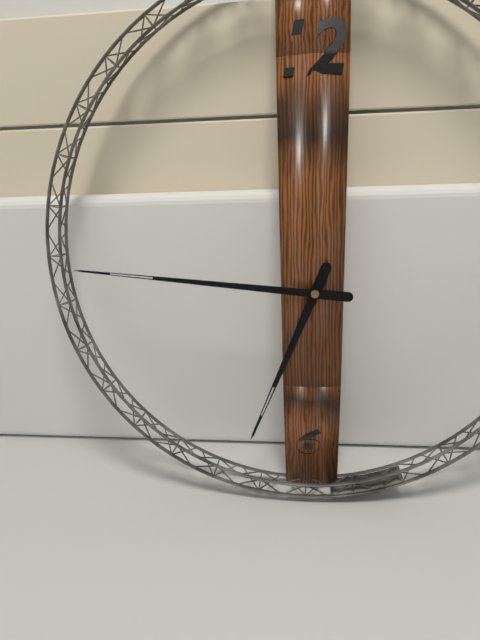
6:46
